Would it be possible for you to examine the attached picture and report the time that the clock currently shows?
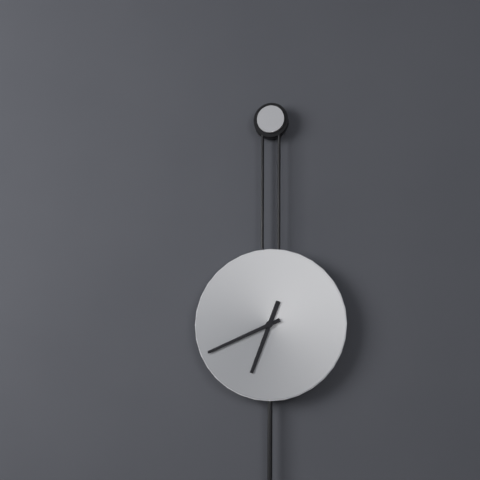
6:41
